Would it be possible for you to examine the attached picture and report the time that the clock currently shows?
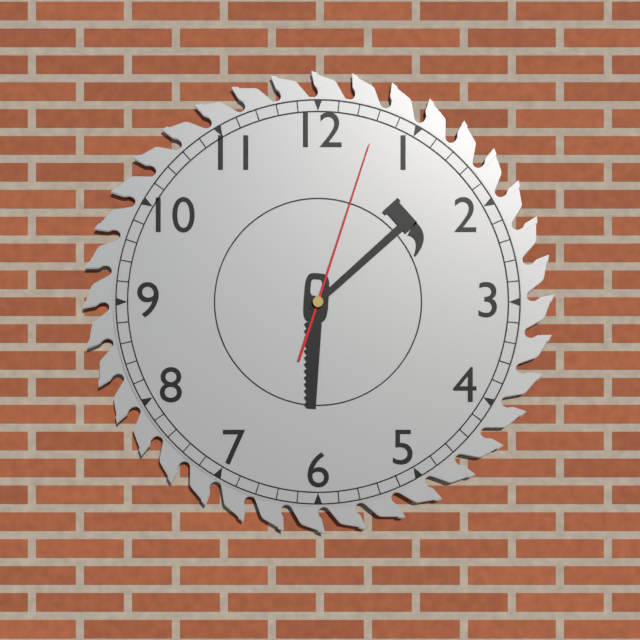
6:08:03
